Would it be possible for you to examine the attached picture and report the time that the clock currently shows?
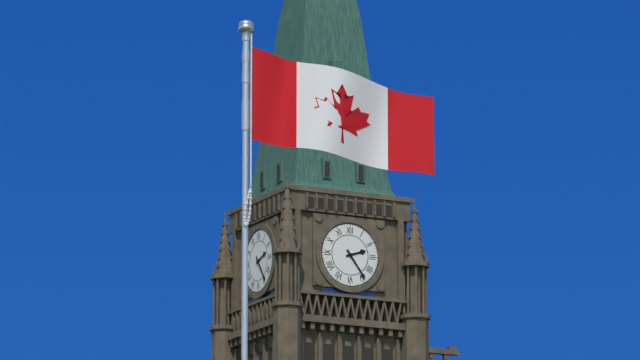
2:24
